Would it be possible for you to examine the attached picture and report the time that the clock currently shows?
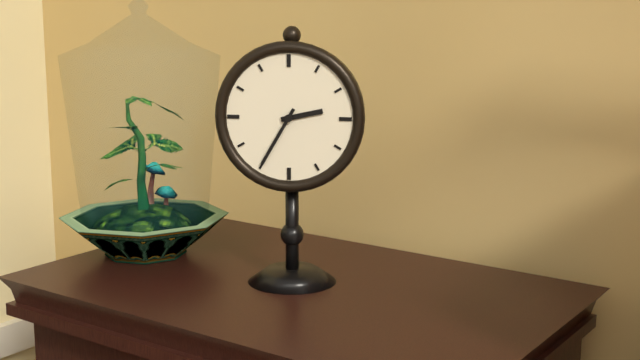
2:35
